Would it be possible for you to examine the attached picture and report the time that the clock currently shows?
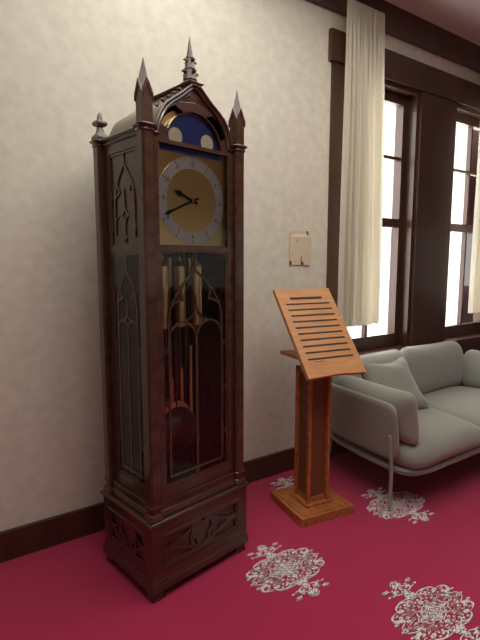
9:41
